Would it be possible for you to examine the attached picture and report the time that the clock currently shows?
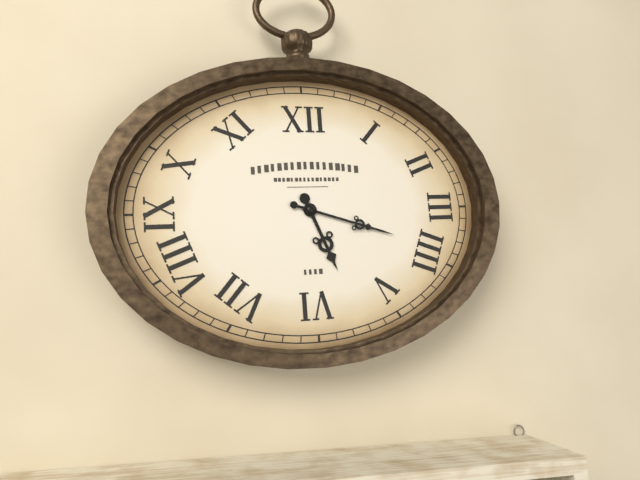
5:18
